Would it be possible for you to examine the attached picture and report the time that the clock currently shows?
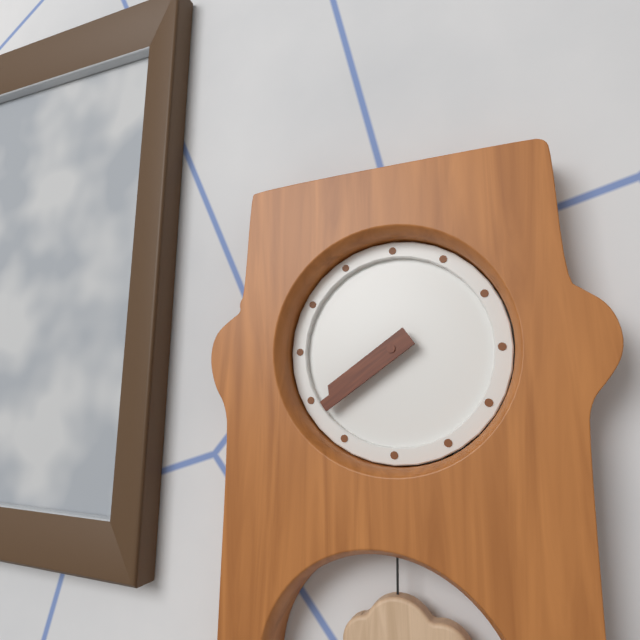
7:39
